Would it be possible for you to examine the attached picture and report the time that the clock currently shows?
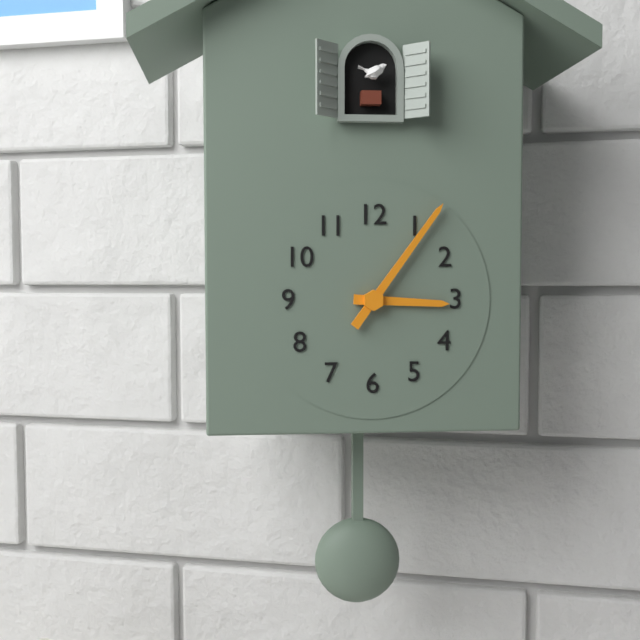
3:06
